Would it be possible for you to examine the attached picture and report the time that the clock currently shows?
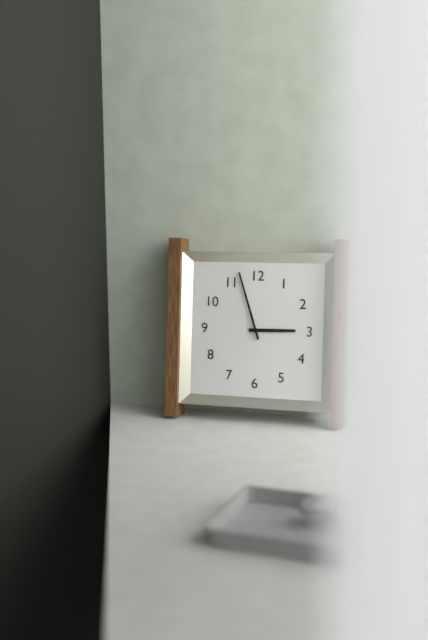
2:57
